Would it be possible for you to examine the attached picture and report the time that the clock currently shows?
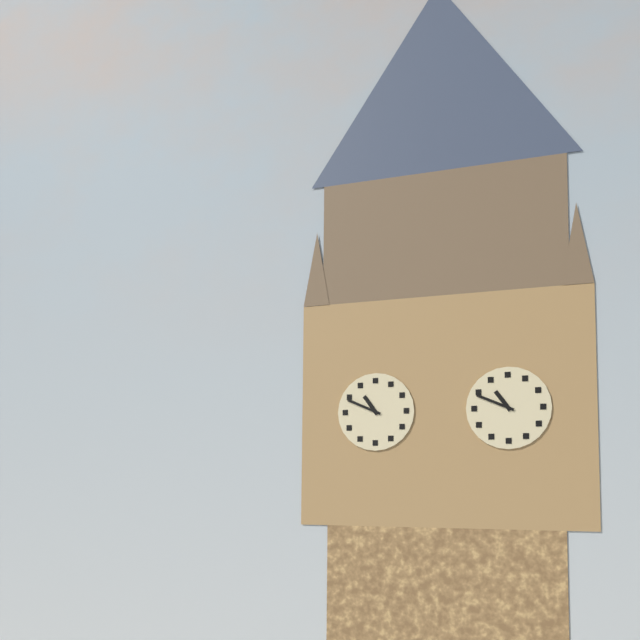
10:49
